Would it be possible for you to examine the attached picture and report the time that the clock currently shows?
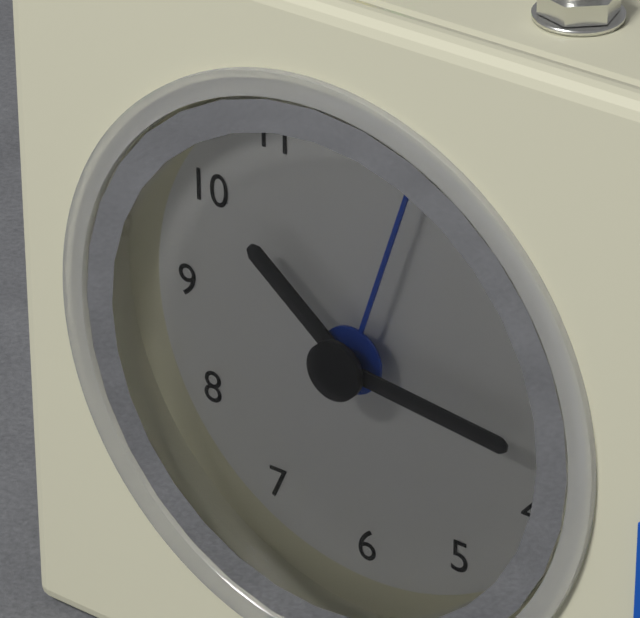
10:16:03
